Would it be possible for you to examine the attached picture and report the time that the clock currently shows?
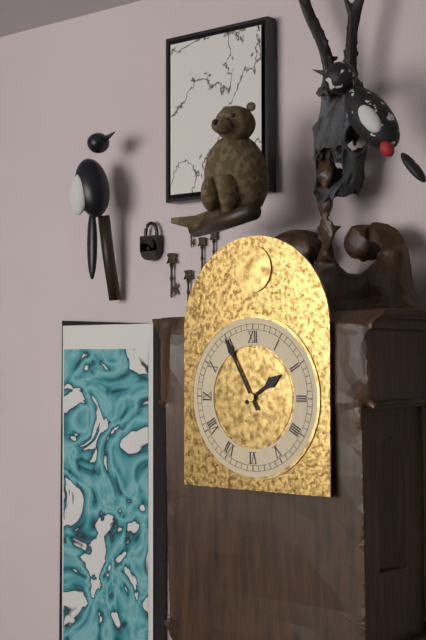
1:55
